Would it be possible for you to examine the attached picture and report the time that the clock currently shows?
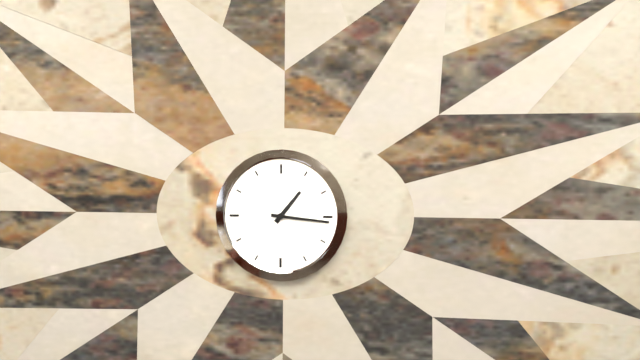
1:16
